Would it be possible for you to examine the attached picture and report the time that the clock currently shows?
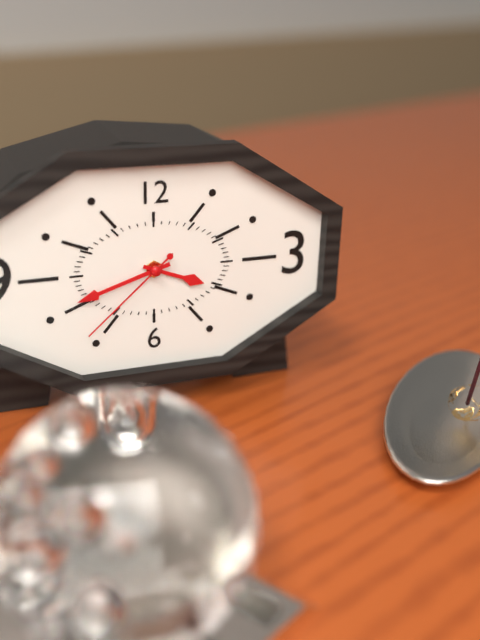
3:42:38
